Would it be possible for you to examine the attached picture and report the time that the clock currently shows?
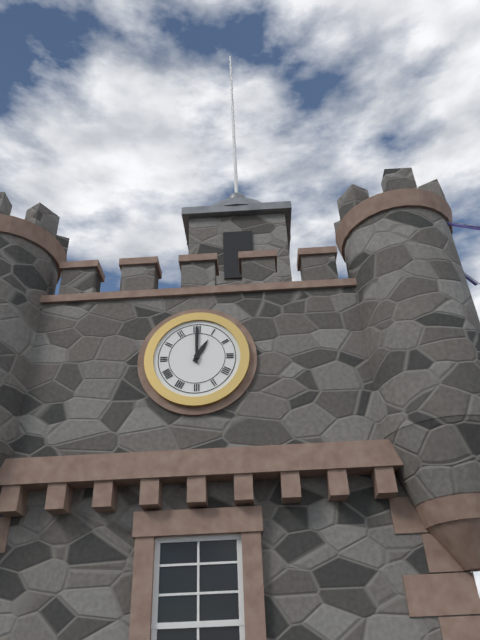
1:00
